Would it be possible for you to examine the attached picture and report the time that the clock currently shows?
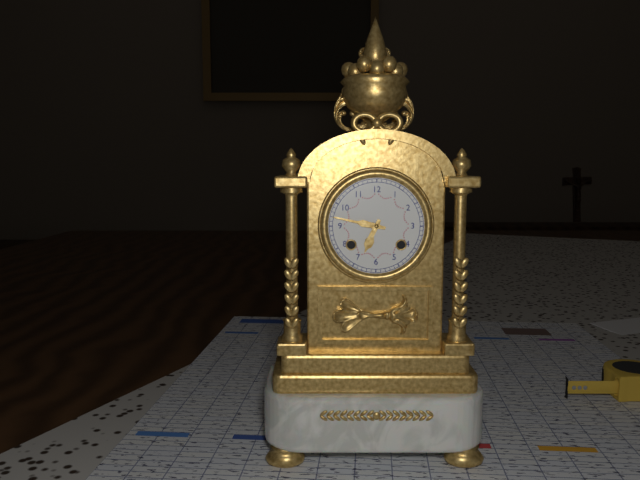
6:47
